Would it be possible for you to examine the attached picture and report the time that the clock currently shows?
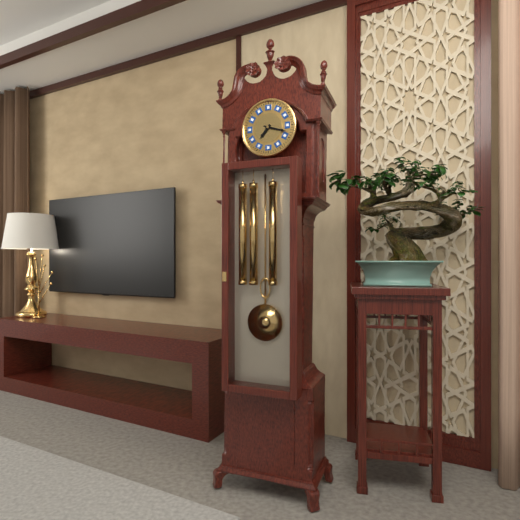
7:18
